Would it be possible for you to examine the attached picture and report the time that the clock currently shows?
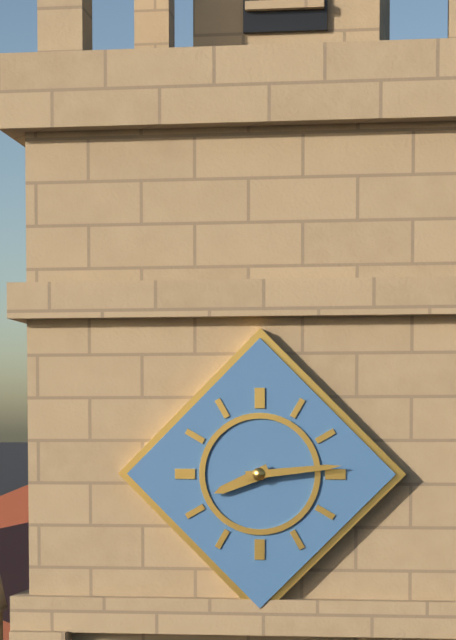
8:14
